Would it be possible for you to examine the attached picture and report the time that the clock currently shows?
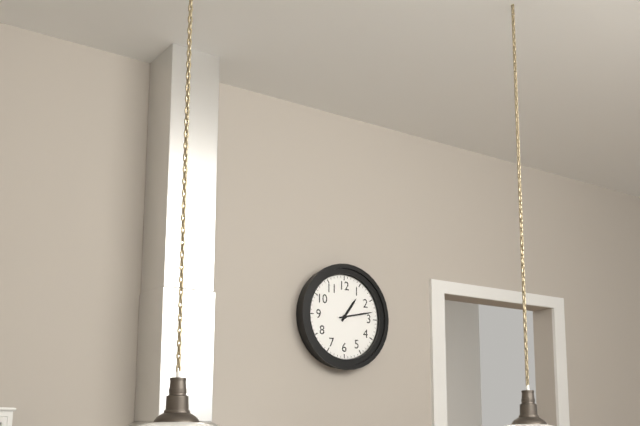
1:13
